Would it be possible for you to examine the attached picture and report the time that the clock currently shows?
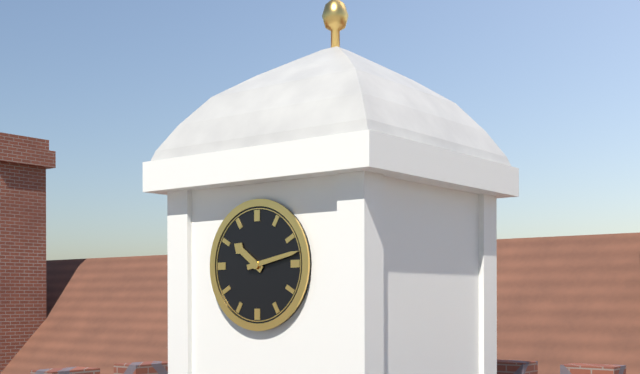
10:13
